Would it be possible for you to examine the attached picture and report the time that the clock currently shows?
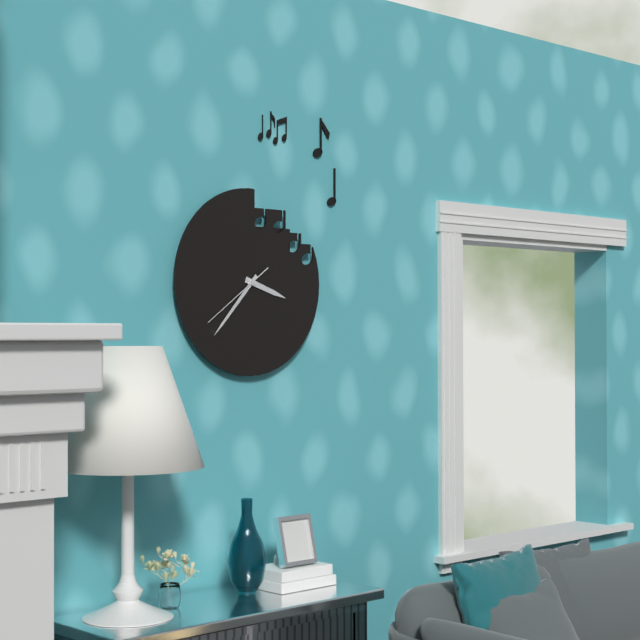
3:37:39
